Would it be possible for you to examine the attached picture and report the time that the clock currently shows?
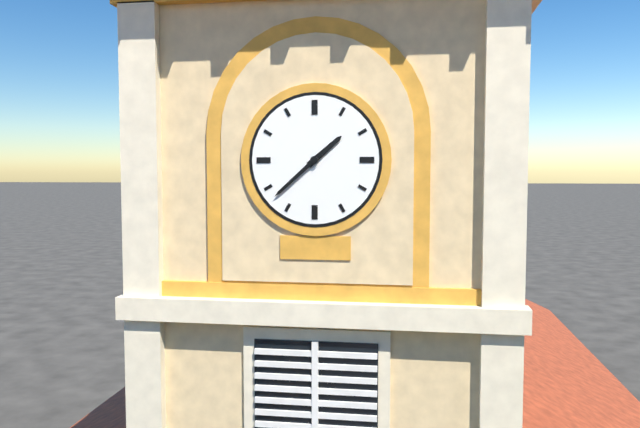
1:38
